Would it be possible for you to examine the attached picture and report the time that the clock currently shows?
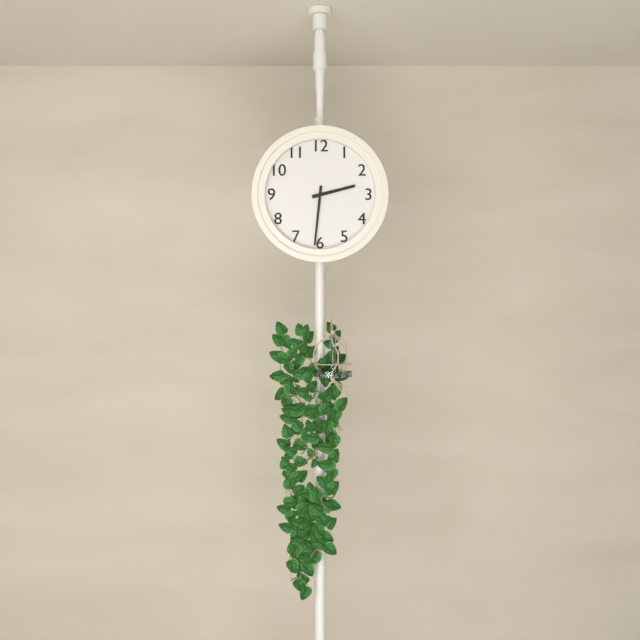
2:31
